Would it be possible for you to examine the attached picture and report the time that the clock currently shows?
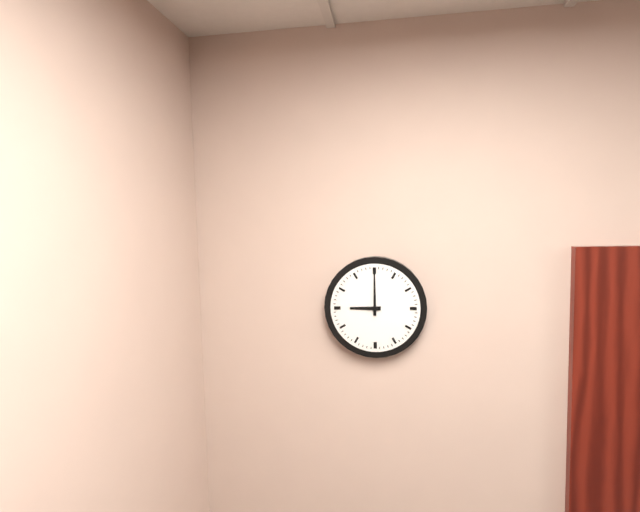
9:00
